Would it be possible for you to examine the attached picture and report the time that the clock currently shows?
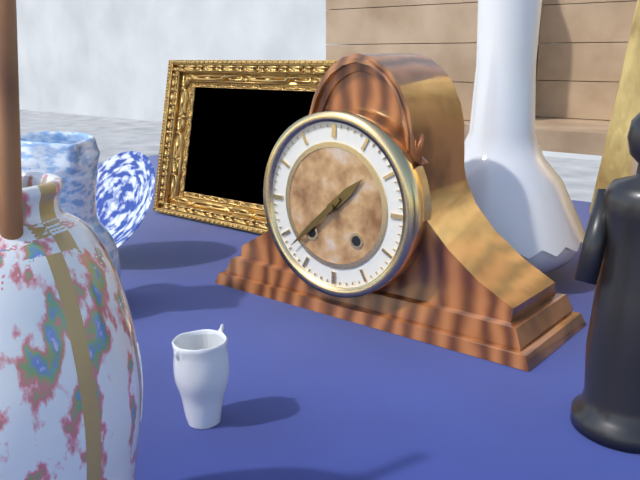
1:38
